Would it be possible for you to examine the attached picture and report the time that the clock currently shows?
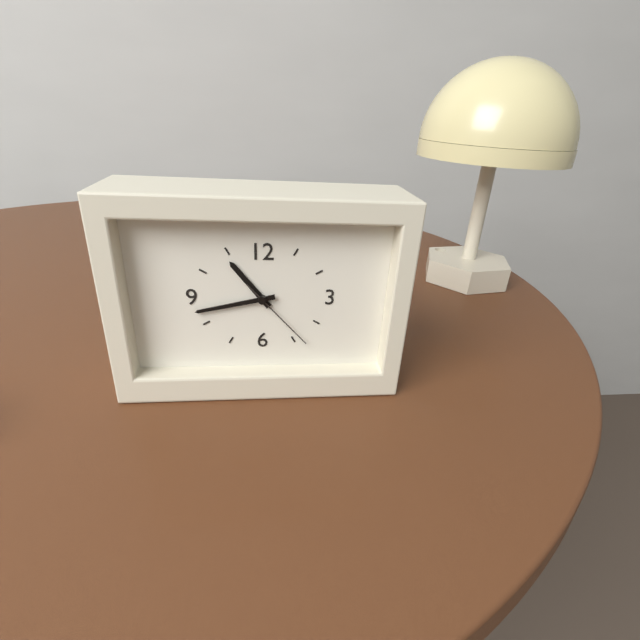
10:43:23
